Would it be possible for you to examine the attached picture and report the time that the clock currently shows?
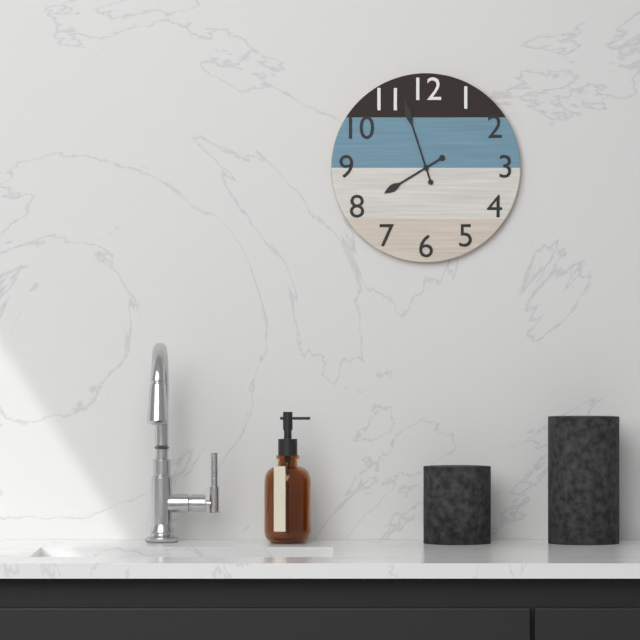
7:57
